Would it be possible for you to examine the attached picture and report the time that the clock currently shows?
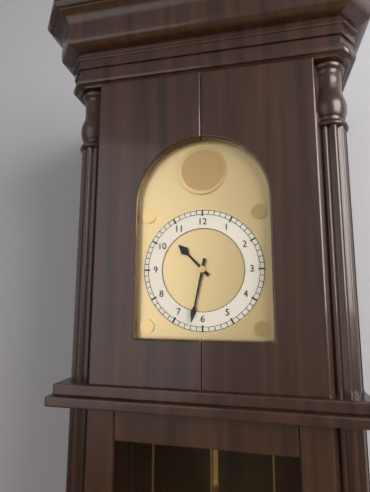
10:32
